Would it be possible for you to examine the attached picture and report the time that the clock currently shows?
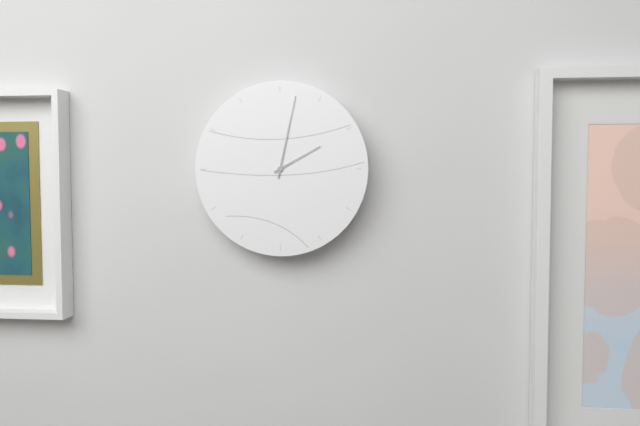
2:02
